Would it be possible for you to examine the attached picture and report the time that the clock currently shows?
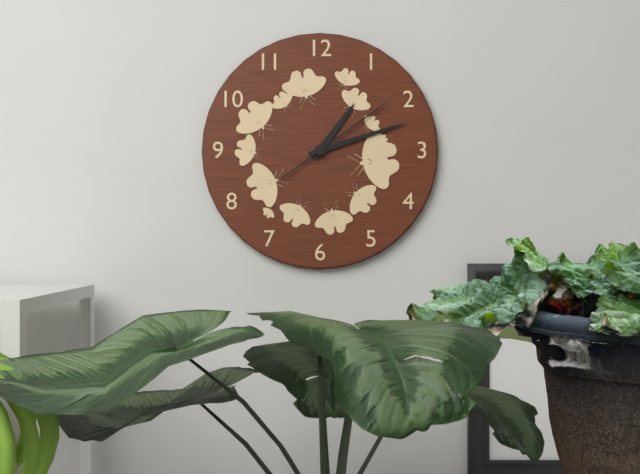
1:12:09
